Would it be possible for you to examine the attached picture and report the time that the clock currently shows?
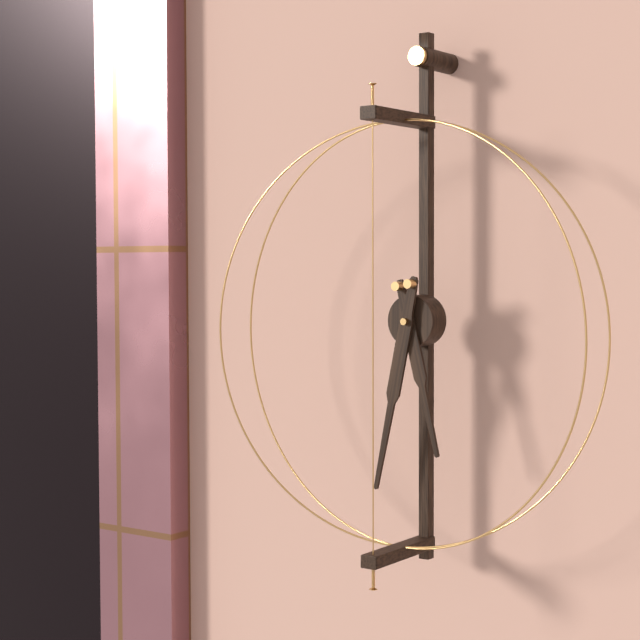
5:32
